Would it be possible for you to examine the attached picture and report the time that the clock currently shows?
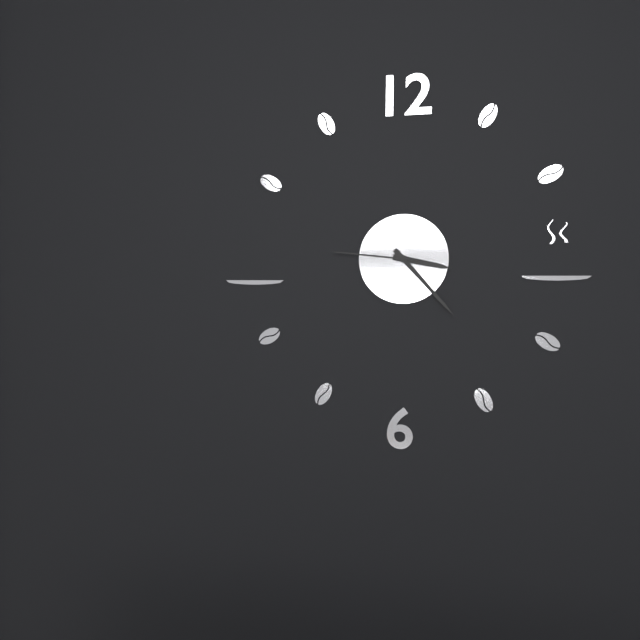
3:23:46
